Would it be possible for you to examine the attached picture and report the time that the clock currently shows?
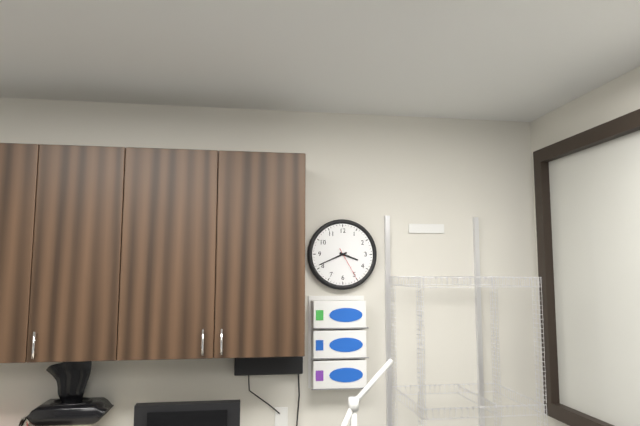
3:41
